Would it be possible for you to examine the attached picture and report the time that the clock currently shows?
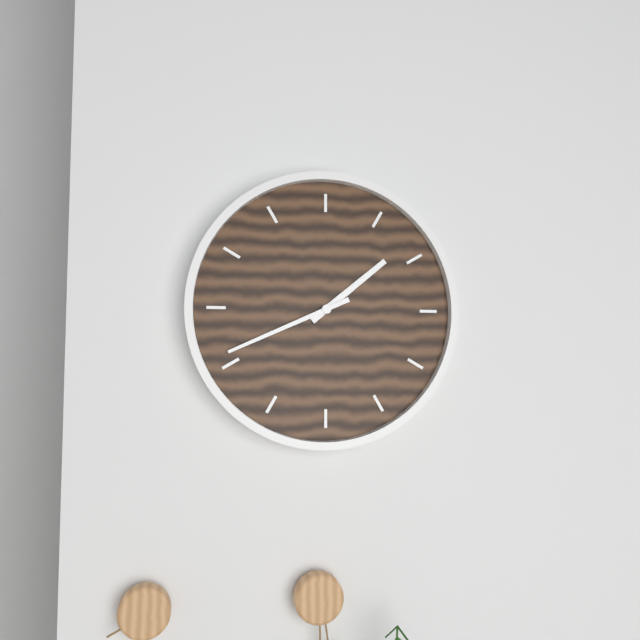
1:41
